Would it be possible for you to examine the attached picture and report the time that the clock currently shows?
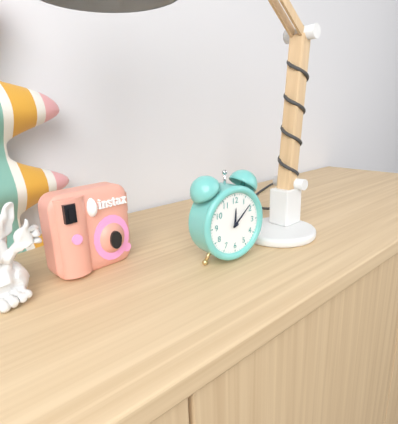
12:08
